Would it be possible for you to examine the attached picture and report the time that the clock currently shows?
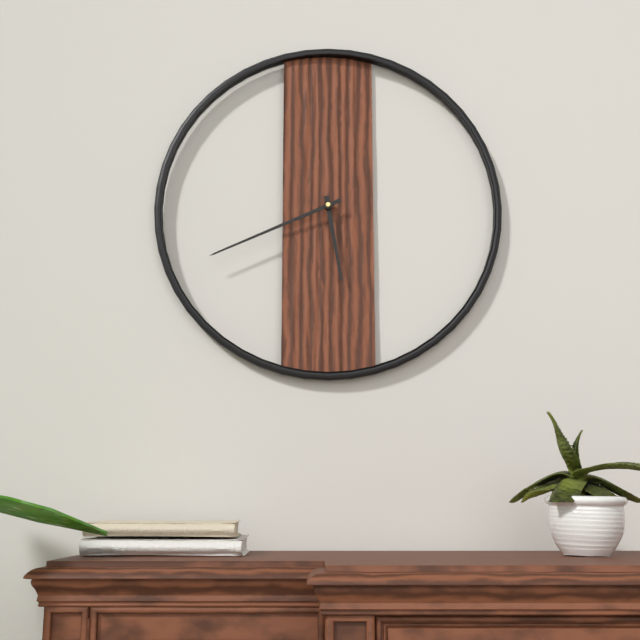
5:41
